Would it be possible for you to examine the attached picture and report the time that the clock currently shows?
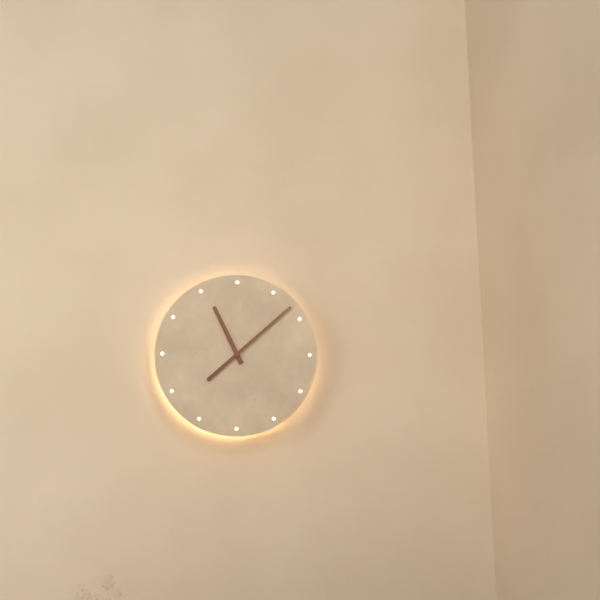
11:08
